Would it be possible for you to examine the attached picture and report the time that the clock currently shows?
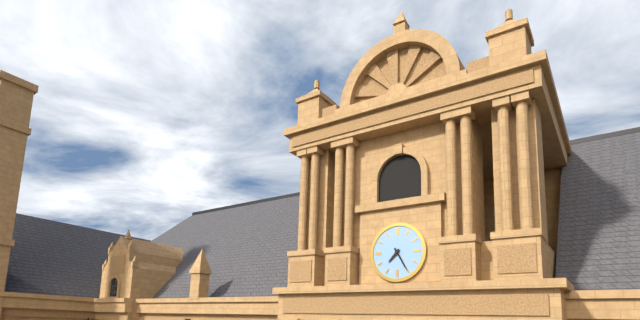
7:25
